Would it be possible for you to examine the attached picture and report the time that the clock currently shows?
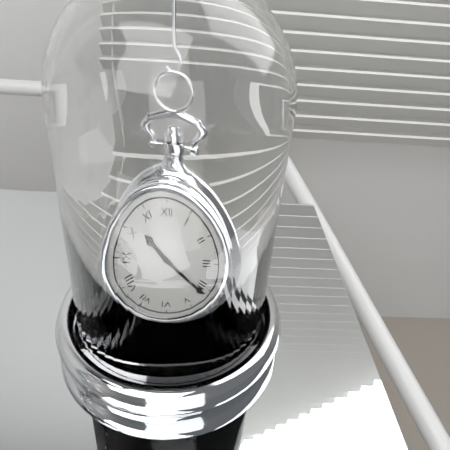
10:21
